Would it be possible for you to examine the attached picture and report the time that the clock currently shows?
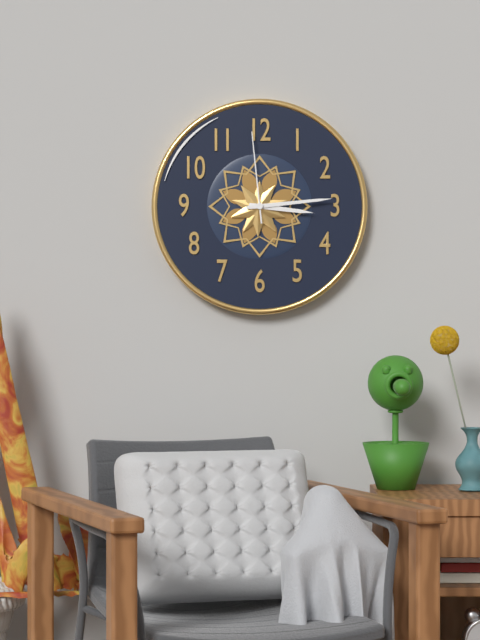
3:14:59
